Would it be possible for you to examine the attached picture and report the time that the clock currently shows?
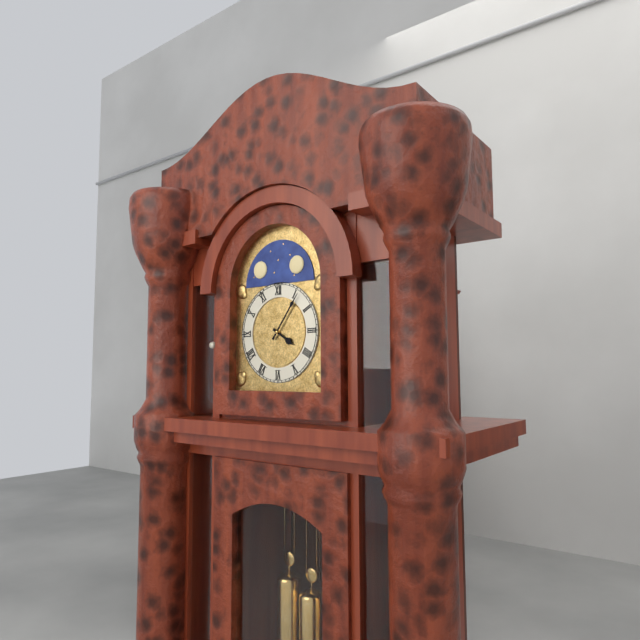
4:06
